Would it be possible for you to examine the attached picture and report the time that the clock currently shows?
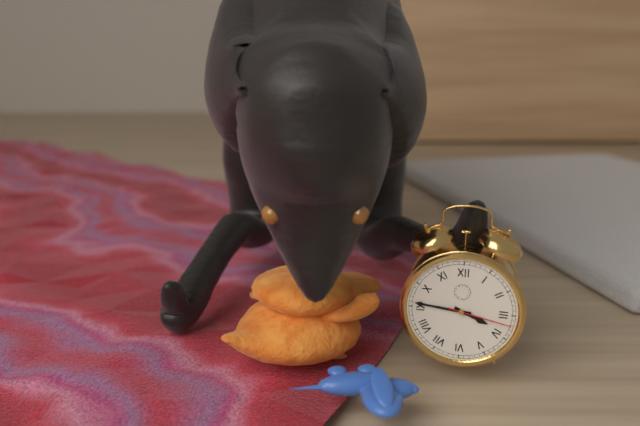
3:46:17
